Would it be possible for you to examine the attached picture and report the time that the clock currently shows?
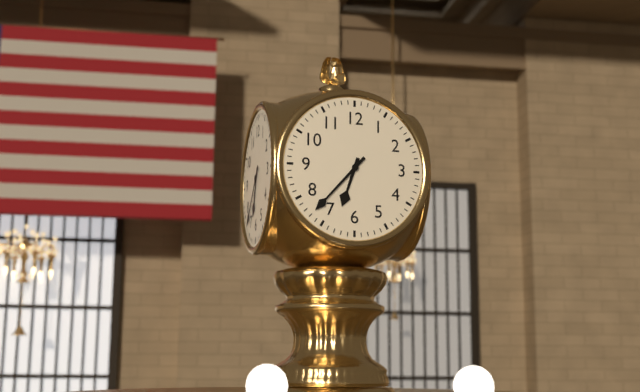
6:37
